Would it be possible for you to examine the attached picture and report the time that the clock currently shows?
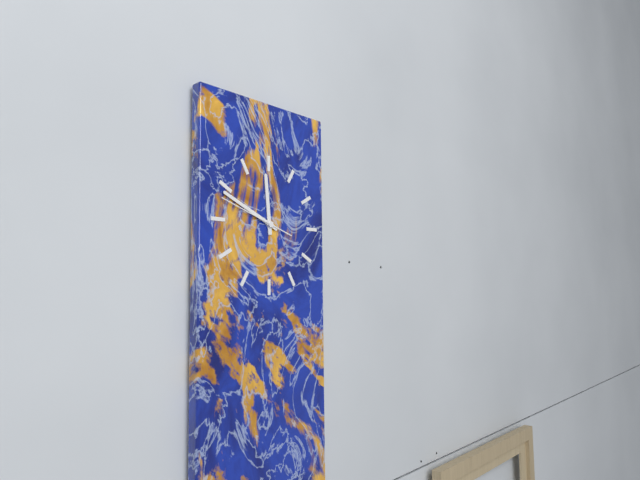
11:49:48
